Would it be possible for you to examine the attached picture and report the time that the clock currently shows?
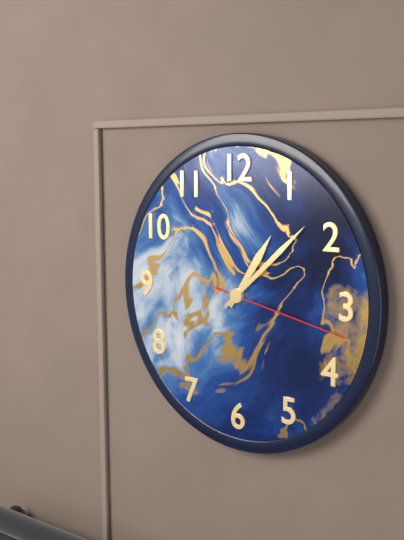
1:08:17
